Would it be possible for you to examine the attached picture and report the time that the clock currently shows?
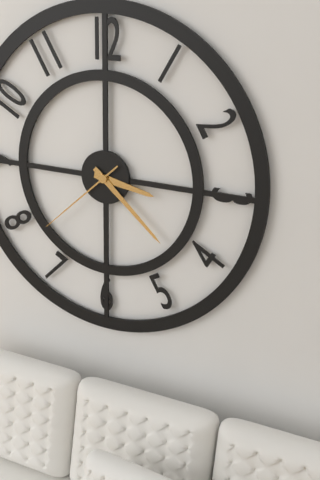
3:22:38
